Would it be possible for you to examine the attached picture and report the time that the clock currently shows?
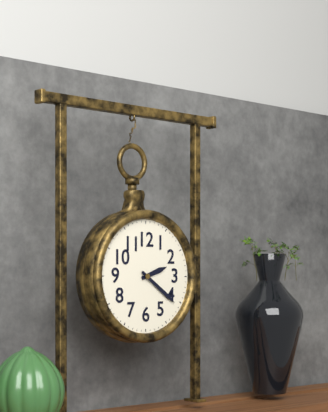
2:21
